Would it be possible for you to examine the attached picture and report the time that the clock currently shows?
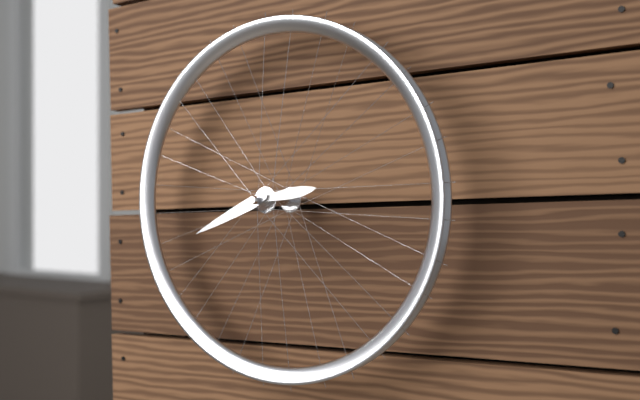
2:41
